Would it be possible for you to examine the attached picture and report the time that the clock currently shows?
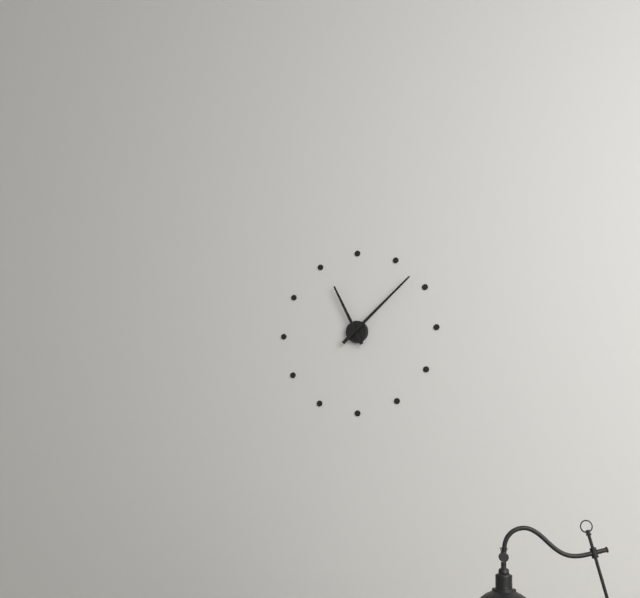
11:08
